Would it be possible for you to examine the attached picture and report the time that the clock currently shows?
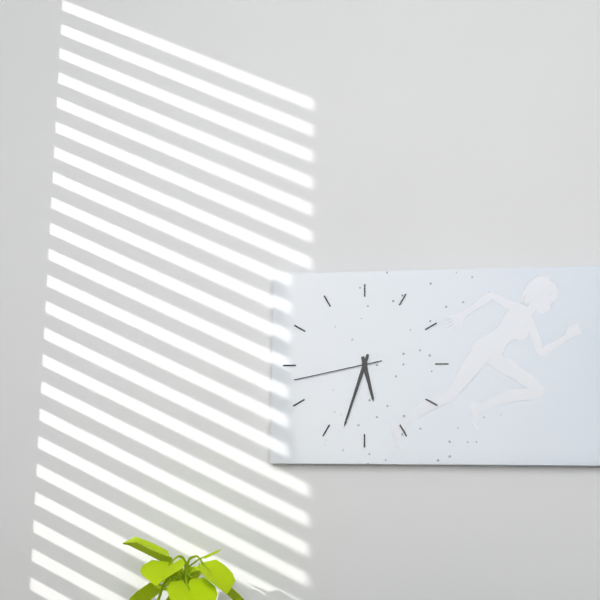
5:33:43
